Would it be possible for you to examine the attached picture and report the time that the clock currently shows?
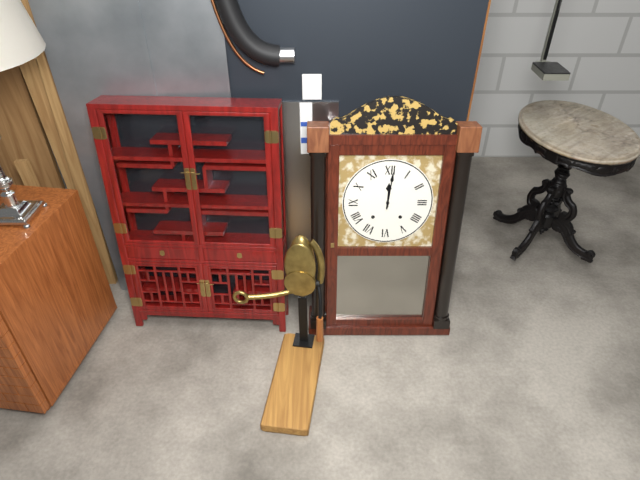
12:01
